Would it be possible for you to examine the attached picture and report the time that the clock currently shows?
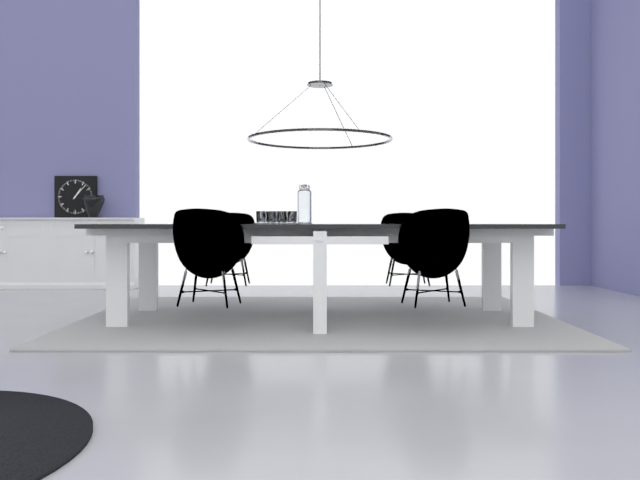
1:07
